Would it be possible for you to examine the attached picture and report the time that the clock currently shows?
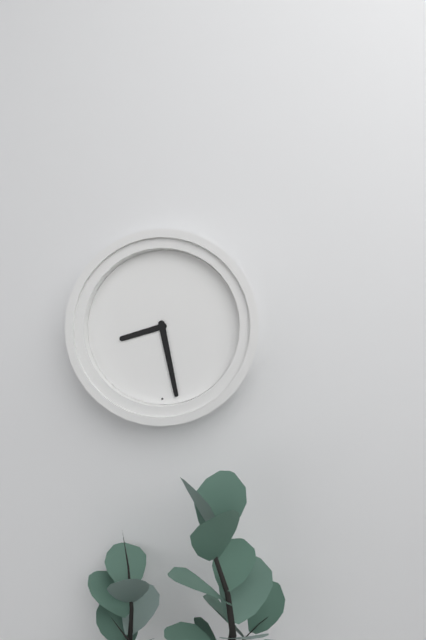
8:28
